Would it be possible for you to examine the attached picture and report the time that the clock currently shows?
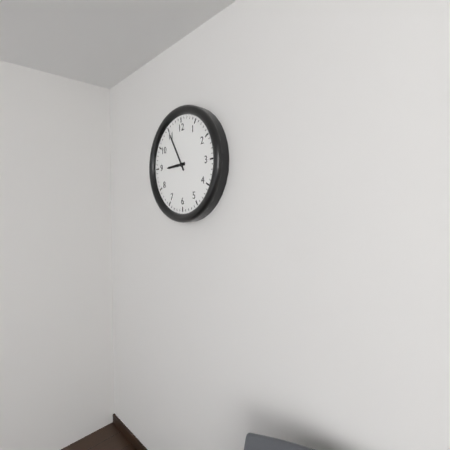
8:55
